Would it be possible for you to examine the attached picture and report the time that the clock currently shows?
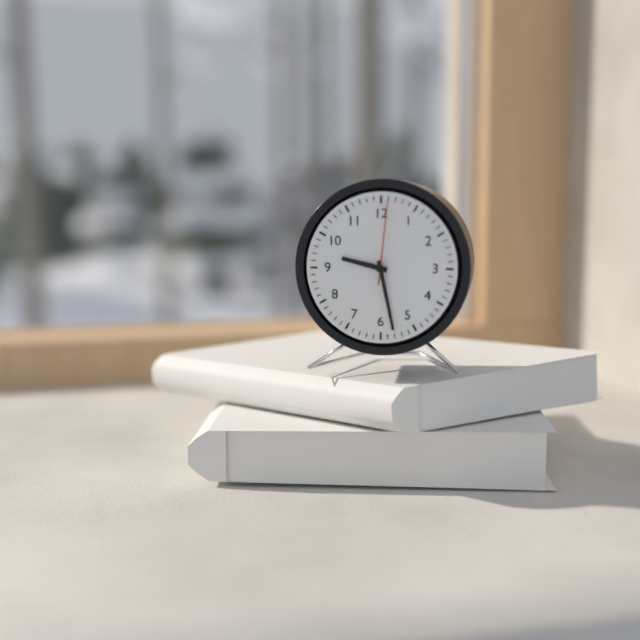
9:28:01
